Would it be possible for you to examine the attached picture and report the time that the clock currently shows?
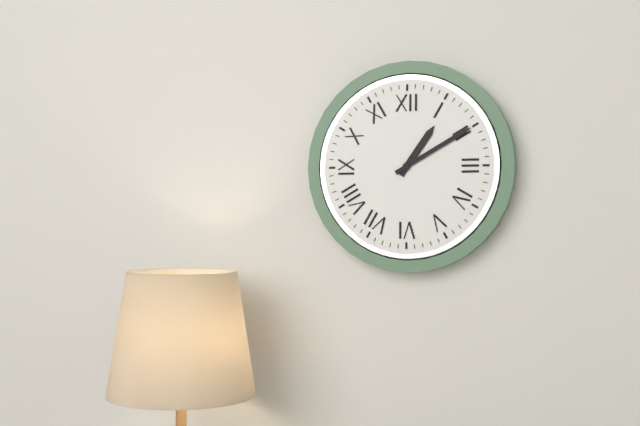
1:10
